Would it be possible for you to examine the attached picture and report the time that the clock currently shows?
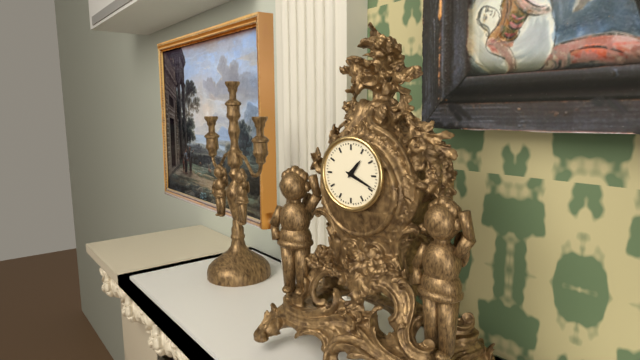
1:19
